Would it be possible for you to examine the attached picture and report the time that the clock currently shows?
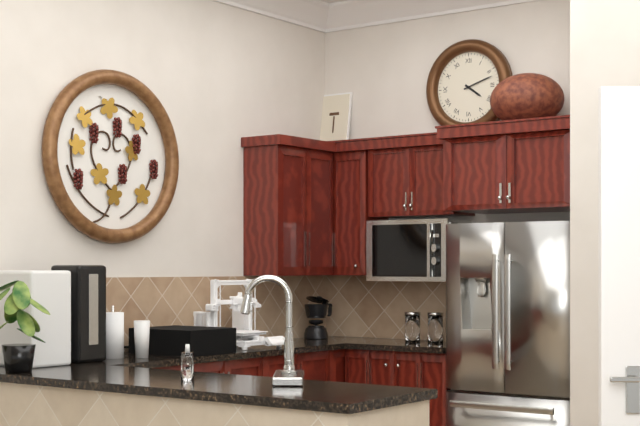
4:12
